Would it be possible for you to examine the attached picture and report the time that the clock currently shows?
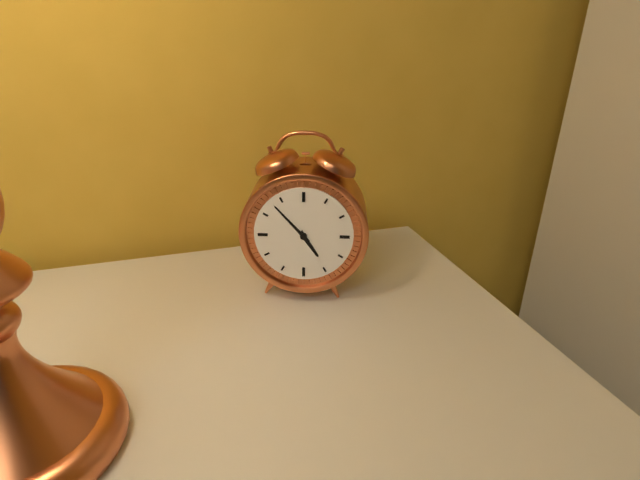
4:53
